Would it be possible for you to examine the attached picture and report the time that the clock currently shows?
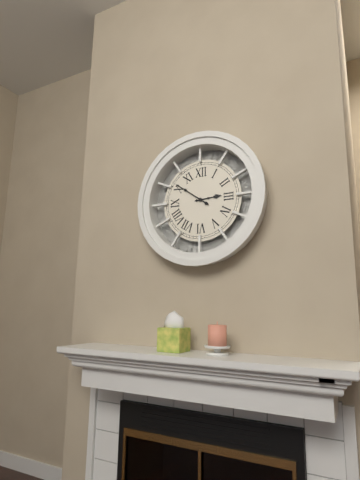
2:51
